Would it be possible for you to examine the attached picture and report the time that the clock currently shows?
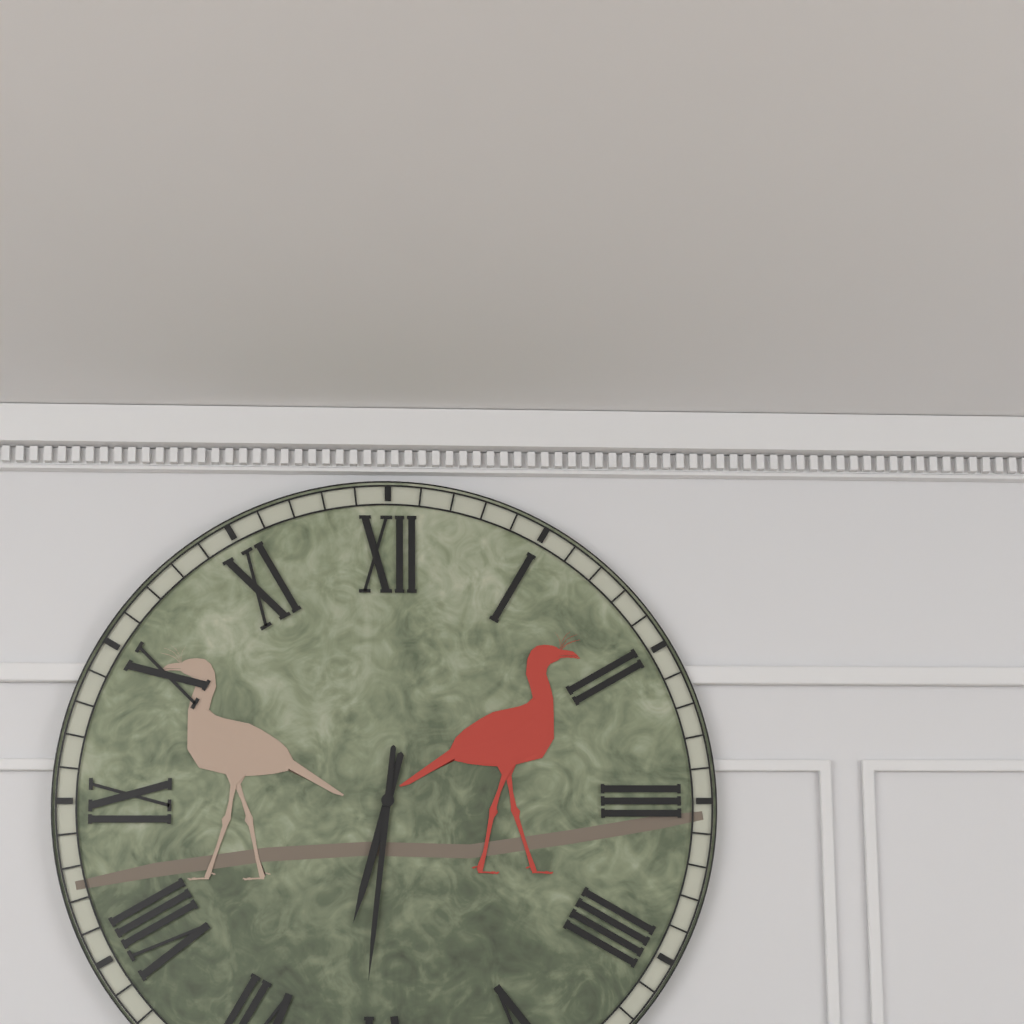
6:31
